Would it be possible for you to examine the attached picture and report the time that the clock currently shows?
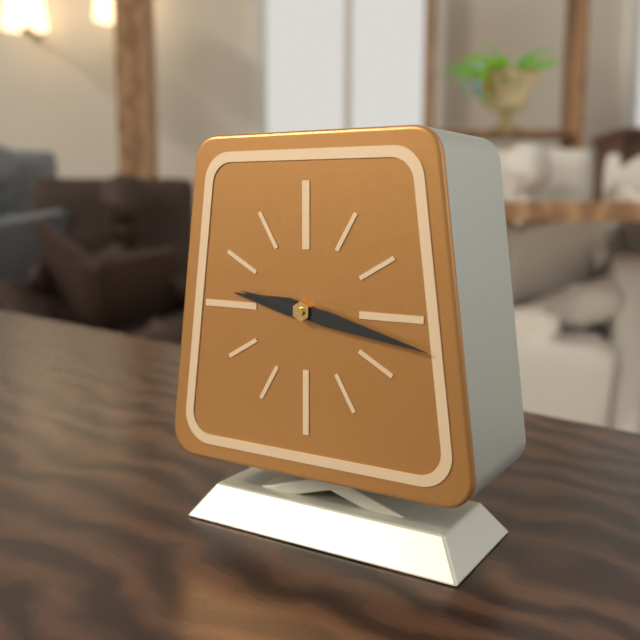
9:17
